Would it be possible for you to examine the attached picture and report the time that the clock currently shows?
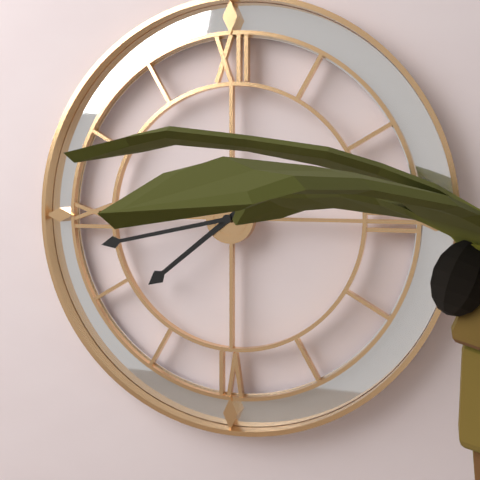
7:43
